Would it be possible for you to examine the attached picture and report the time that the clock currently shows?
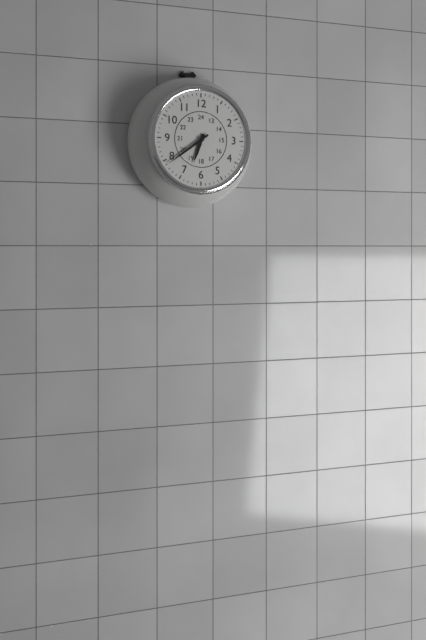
6:39
